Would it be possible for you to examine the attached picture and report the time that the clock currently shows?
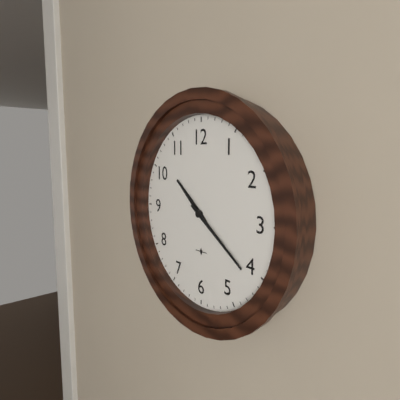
10:21
